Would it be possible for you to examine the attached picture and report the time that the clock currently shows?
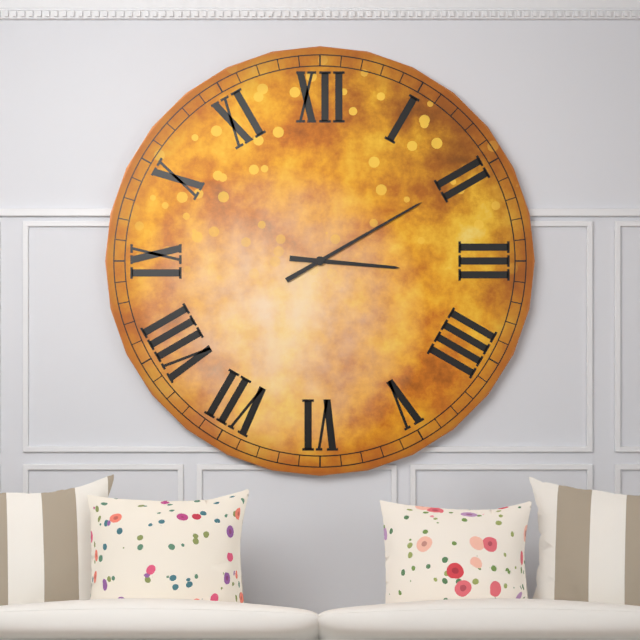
3:10
